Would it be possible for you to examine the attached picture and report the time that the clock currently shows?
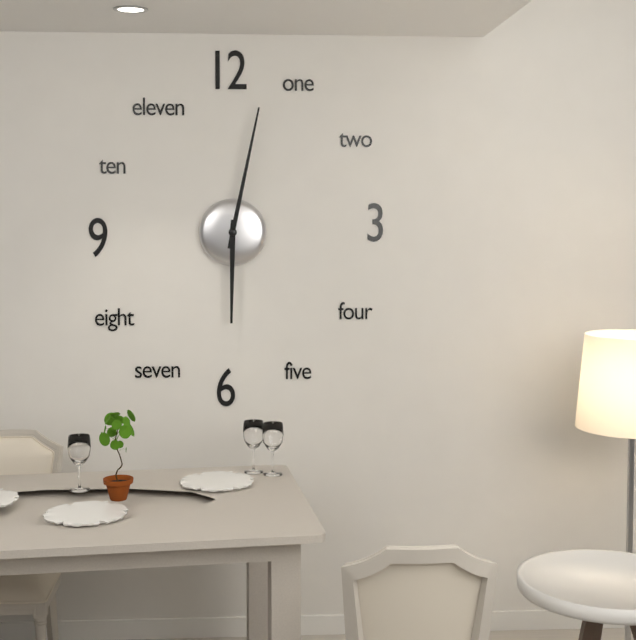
6:02
